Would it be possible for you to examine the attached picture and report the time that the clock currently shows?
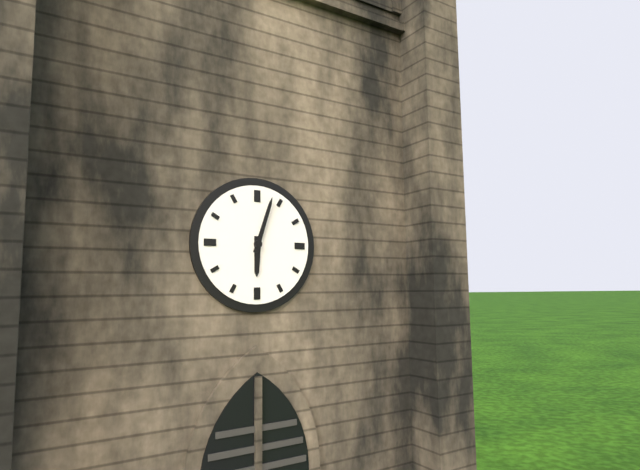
6:03
